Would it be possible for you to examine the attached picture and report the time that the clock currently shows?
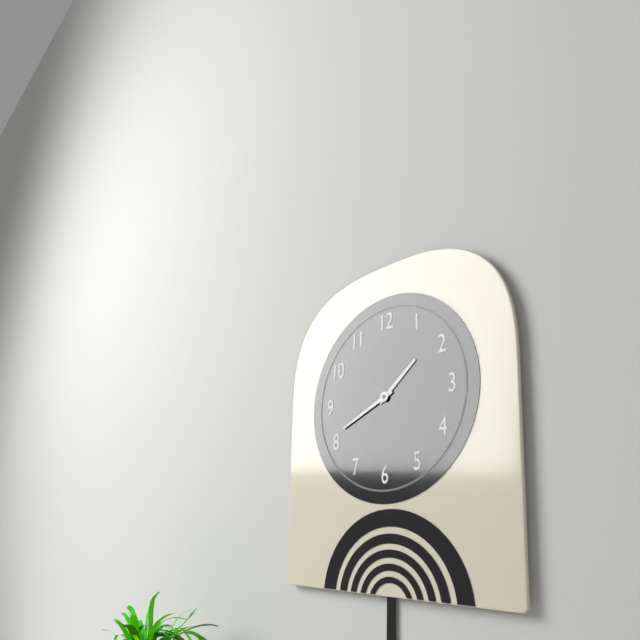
1:41
